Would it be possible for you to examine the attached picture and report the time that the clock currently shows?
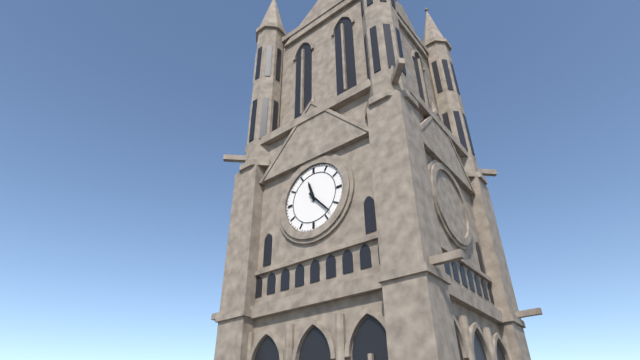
11:23
